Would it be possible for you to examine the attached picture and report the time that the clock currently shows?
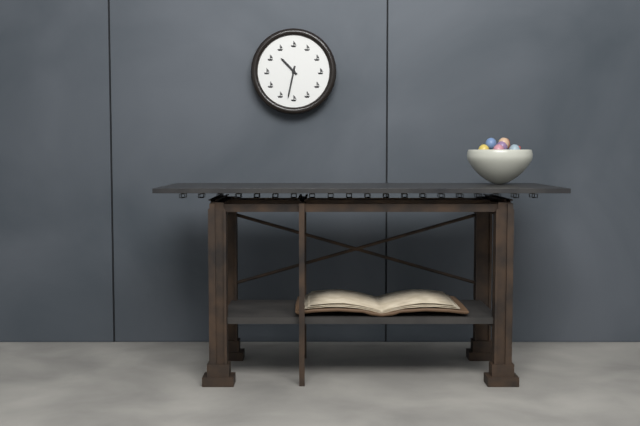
10:32
